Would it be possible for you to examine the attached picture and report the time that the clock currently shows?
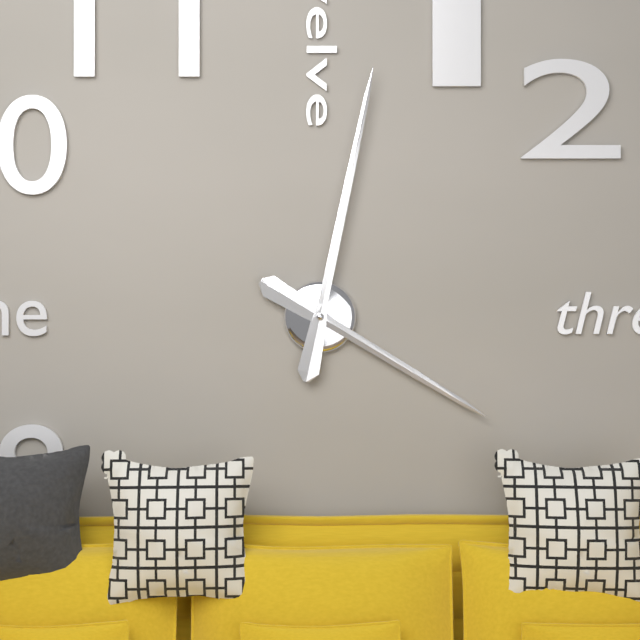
4:02
